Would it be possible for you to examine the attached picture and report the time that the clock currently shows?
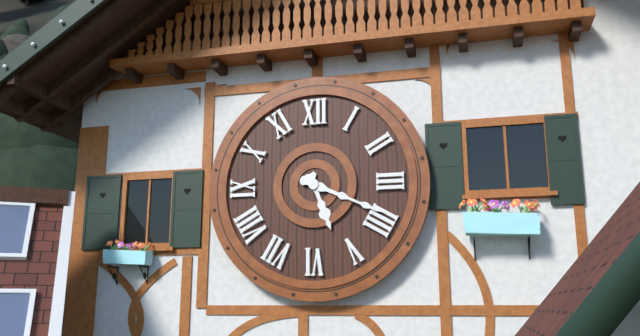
5:19
